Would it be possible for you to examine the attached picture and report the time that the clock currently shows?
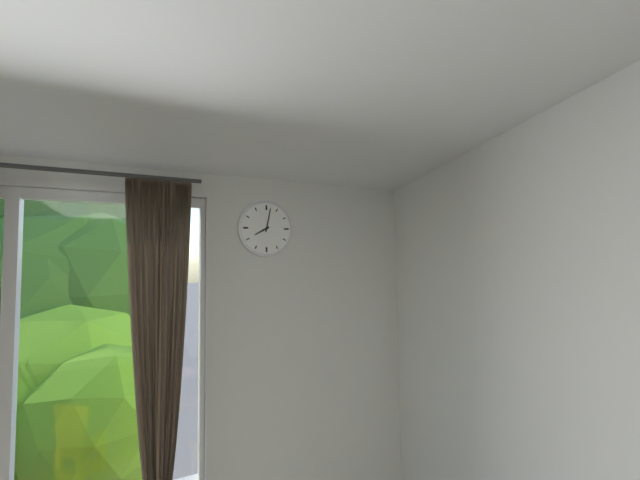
8:02
